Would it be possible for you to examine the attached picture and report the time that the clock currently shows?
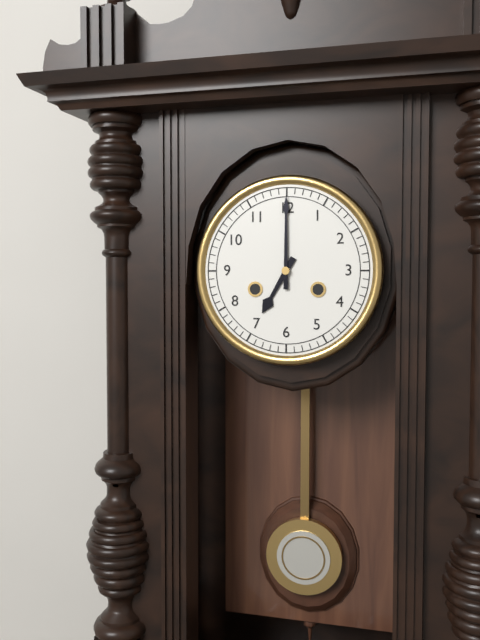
7:00
